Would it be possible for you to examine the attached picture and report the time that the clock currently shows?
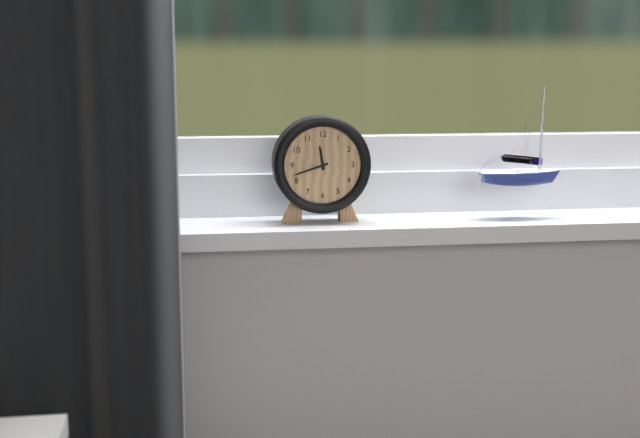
11:42
